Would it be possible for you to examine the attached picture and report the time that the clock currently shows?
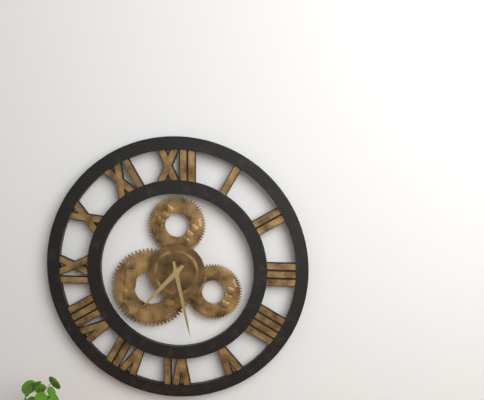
7:28
